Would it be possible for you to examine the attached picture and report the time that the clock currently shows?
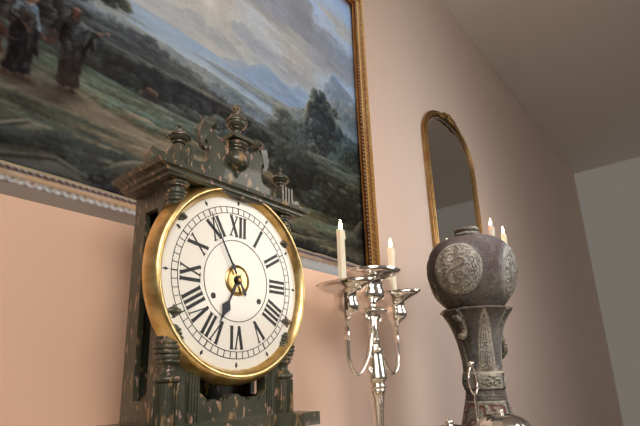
6:55
